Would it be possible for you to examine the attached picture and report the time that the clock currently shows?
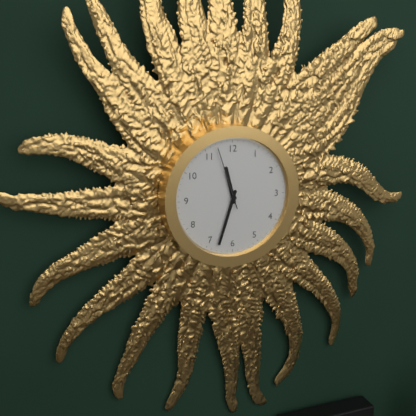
11:33:57
